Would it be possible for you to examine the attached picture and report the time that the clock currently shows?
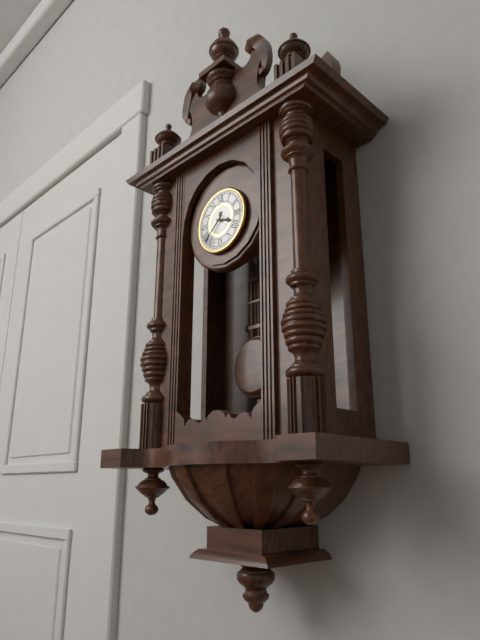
3:38
